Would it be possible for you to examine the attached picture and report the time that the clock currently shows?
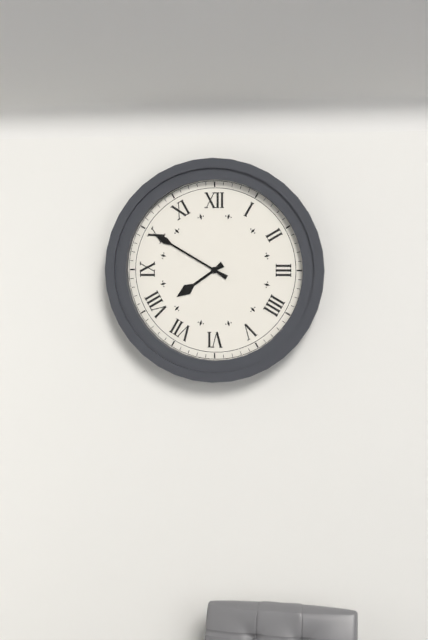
7:50
